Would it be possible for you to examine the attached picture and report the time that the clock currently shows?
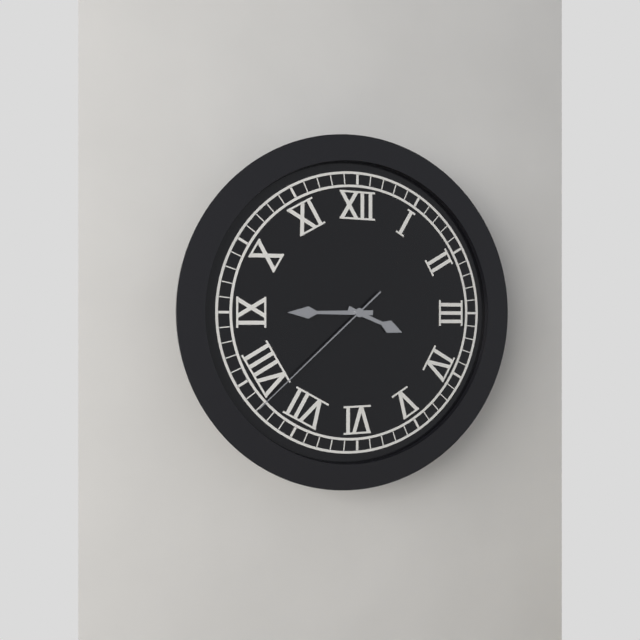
3:45:38
